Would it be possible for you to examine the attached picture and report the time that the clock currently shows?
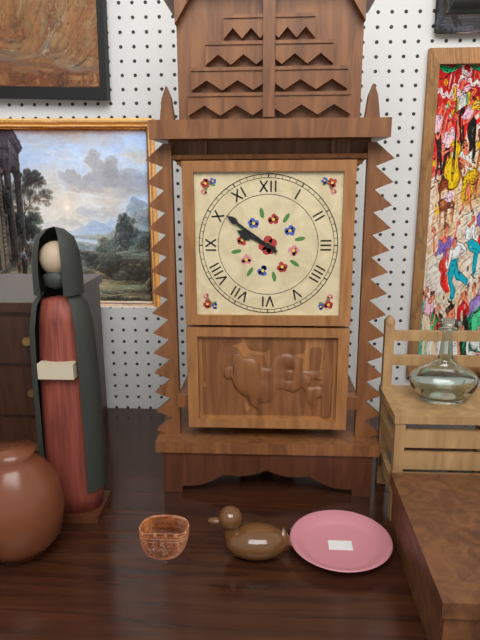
9:51
